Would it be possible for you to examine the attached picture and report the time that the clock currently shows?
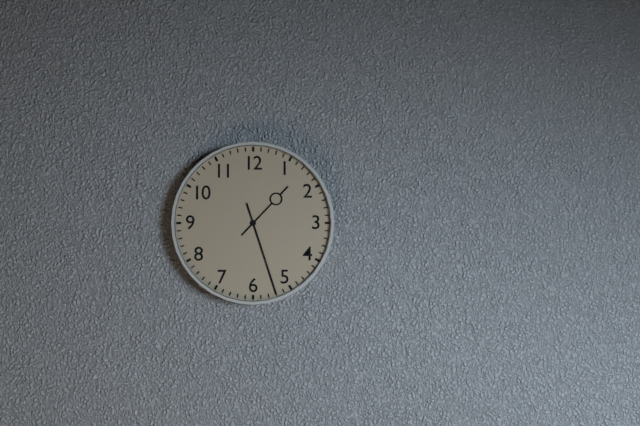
1:27
